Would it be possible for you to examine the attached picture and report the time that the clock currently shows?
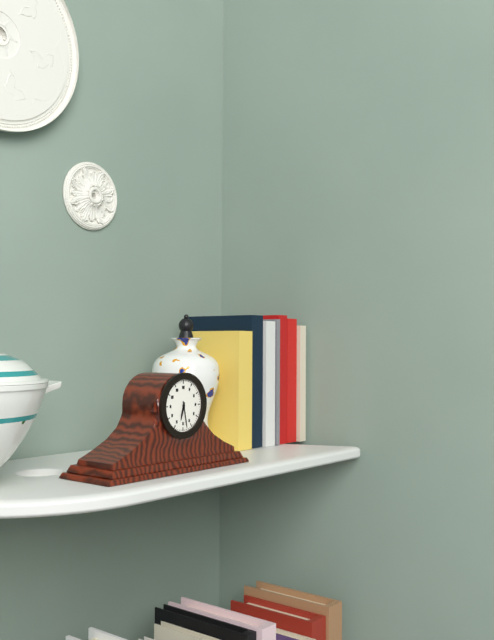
6:28
